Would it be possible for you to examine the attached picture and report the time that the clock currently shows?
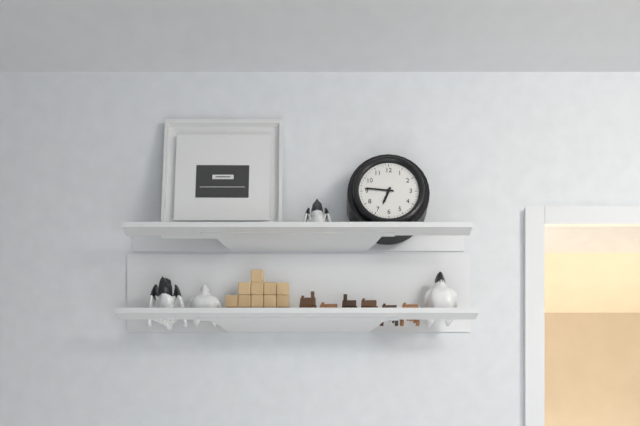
6:46
